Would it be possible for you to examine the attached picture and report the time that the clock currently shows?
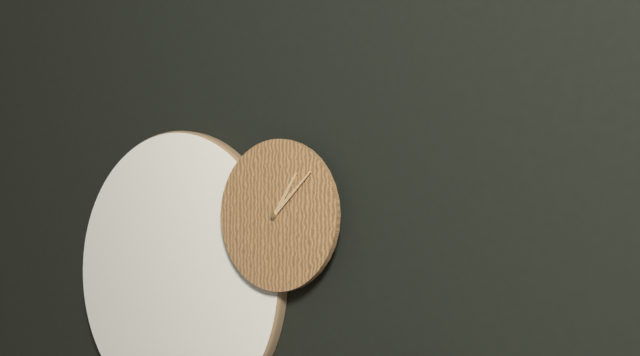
1:08
